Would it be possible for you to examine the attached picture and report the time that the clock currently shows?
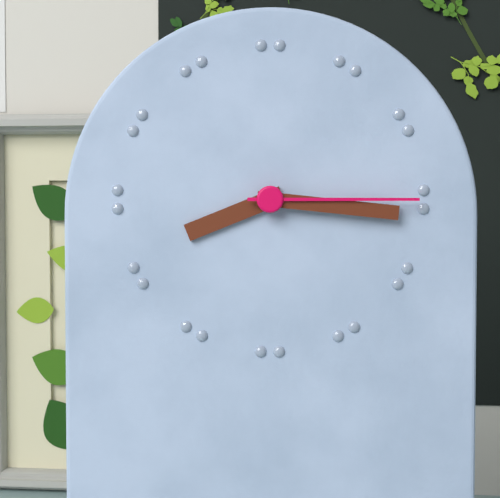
8:16:15
